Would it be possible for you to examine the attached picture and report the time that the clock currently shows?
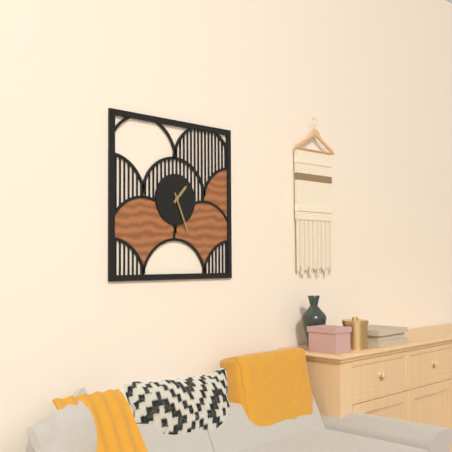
1:26
